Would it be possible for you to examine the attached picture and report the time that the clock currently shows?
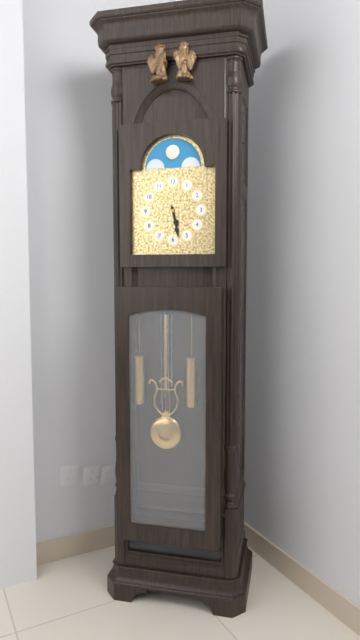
5:28
